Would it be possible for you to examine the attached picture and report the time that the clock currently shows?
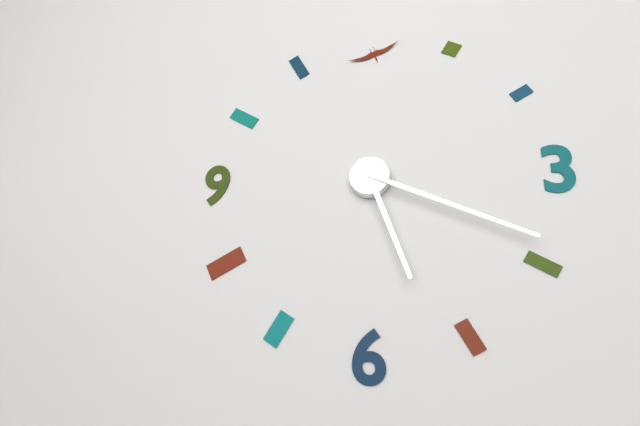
5:19
